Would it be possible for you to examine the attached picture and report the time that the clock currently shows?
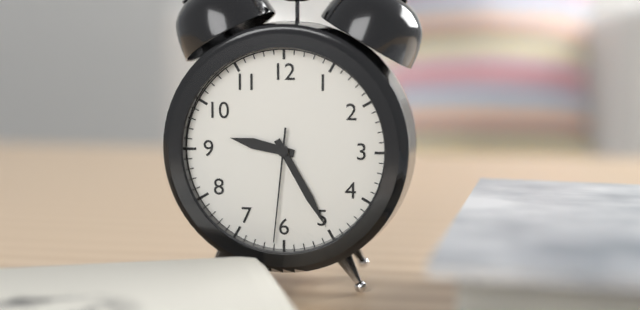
9:25:31
